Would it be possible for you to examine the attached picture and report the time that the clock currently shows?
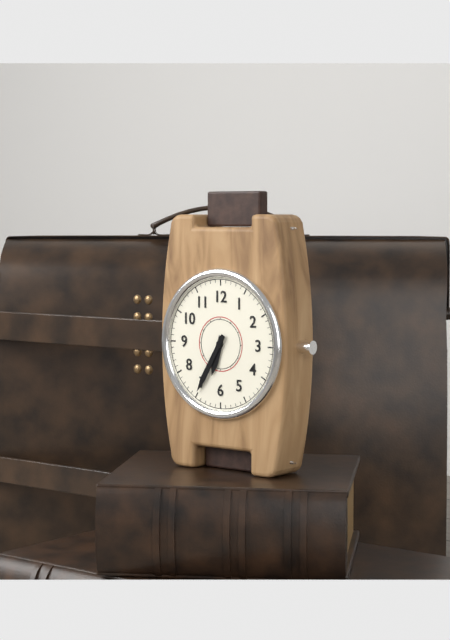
6:35
